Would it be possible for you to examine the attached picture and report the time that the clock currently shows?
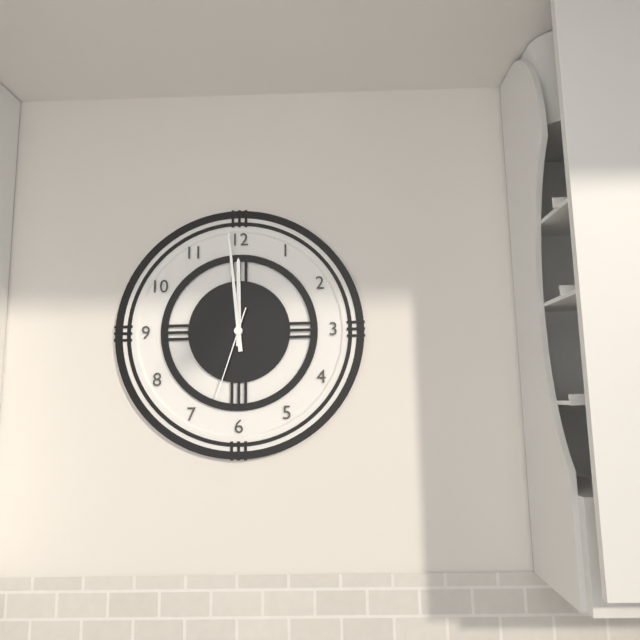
11:59:33
